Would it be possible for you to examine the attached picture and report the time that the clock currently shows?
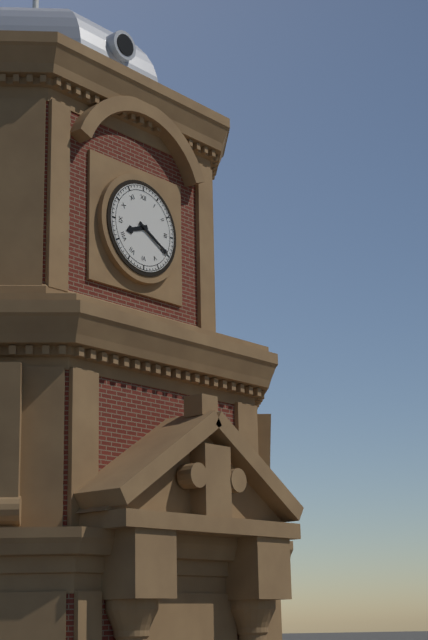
8:20
